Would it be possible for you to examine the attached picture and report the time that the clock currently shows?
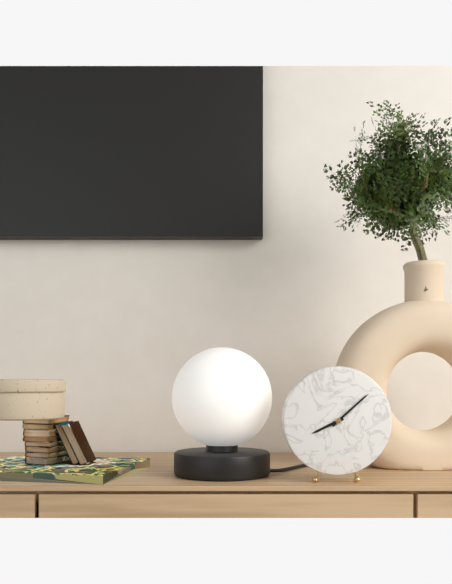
8:08
